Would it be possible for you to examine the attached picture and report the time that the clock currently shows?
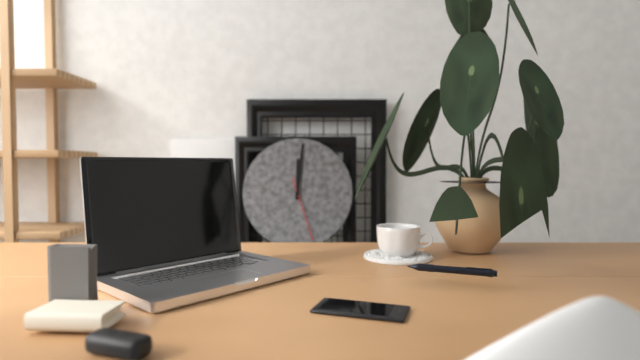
12:01:27
